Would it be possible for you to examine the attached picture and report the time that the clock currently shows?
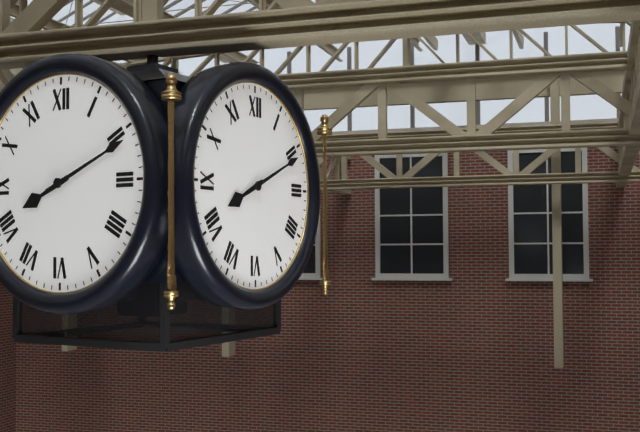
8:11
